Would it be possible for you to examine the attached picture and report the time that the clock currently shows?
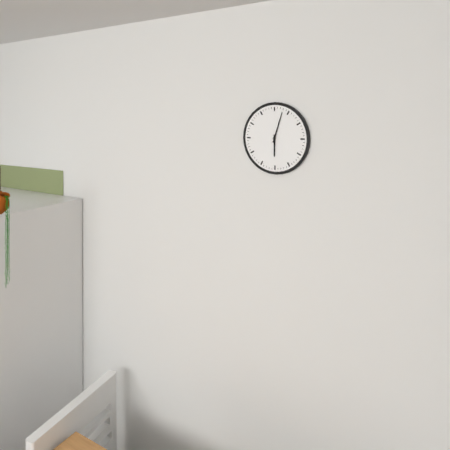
6:03
